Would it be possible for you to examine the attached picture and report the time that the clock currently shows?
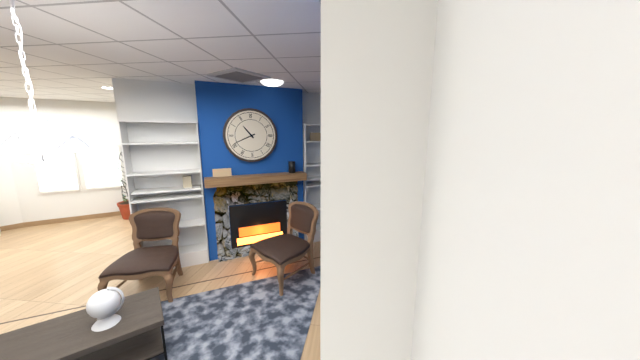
10:41
